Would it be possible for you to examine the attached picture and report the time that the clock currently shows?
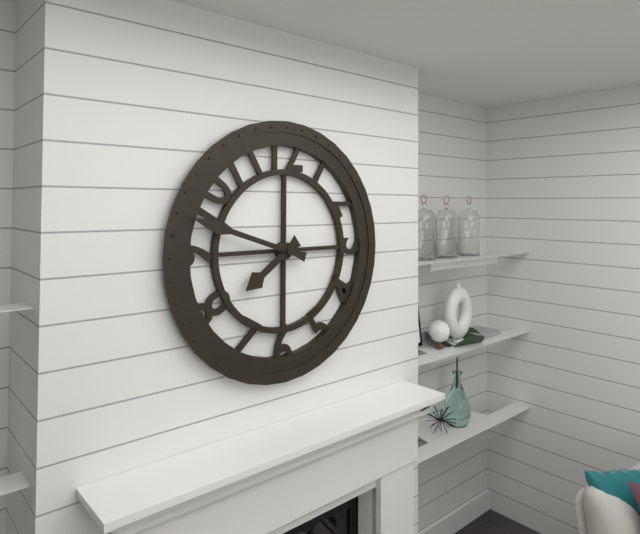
7:48
